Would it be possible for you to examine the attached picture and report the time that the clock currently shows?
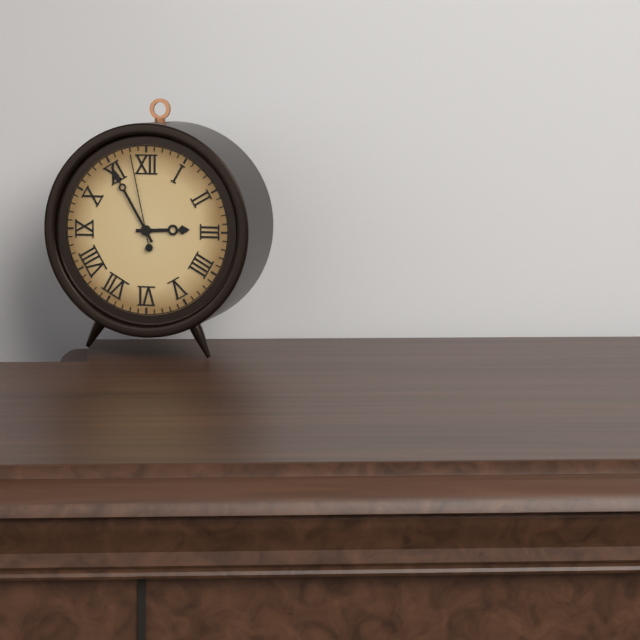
2:55:58
